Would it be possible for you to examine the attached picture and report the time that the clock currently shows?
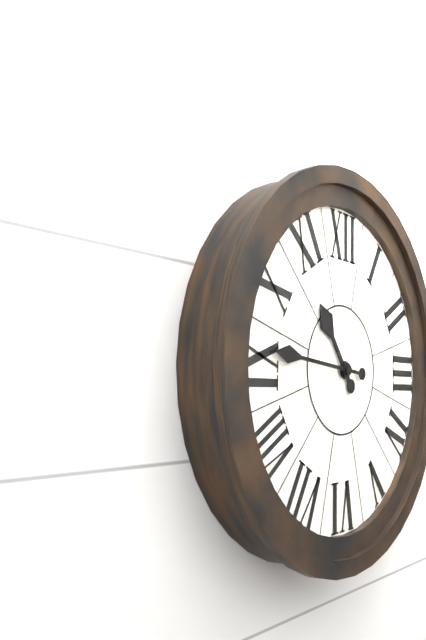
10:46
